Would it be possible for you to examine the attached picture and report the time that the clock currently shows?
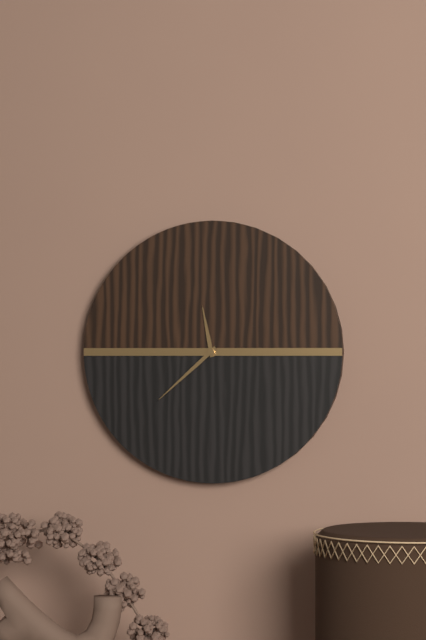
11:38
